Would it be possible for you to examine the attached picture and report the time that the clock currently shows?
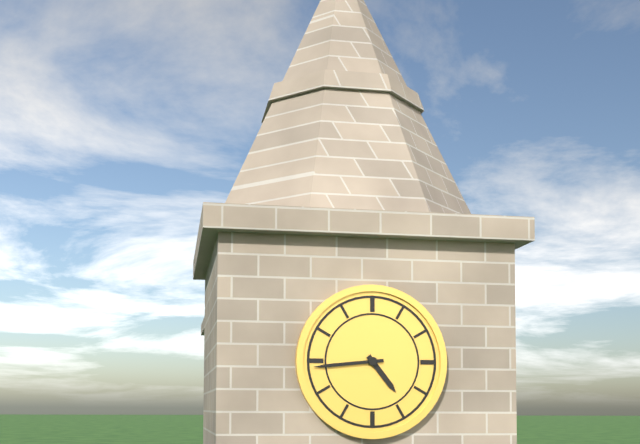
4:44
